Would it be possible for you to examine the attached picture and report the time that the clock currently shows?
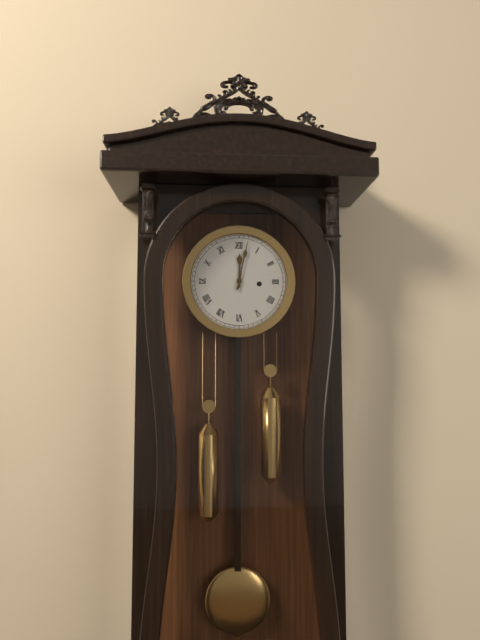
12:02
